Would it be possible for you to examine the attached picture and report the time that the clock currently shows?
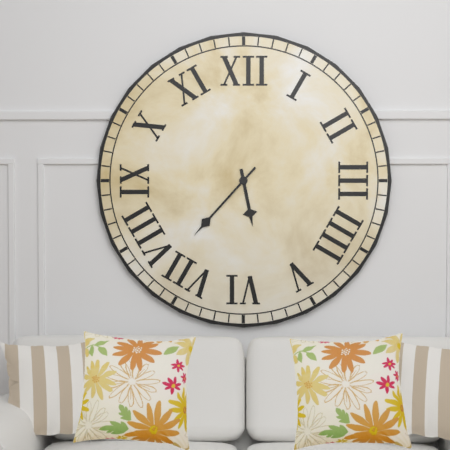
5:37
